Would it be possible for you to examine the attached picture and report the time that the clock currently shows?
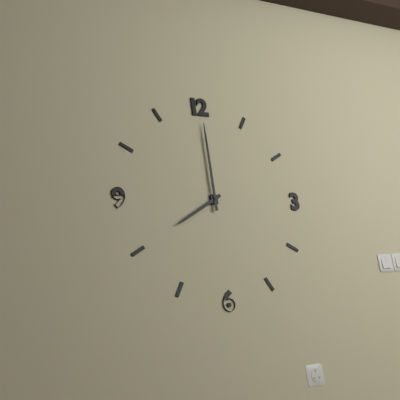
8:00
